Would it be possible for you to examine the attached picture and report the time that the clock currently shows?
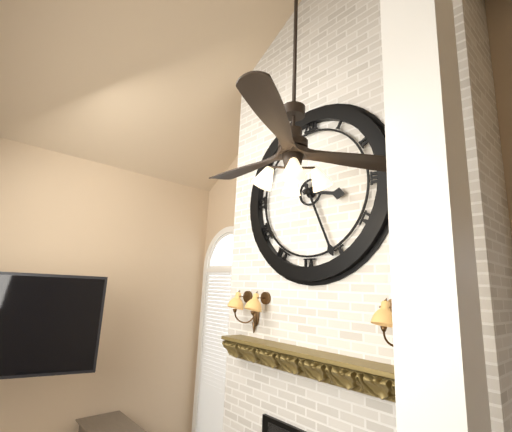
3:26
